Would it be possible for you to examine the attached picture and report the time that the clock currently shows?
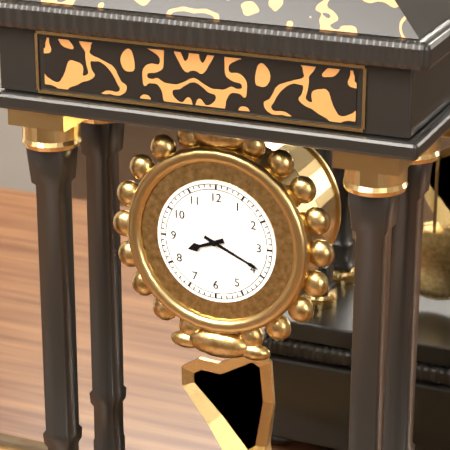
8:19
